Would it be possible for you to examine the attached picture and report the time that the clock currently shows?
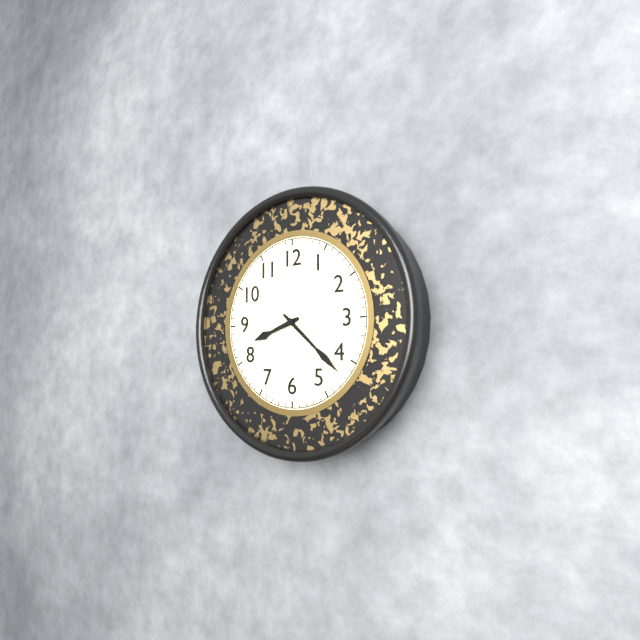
8:22
